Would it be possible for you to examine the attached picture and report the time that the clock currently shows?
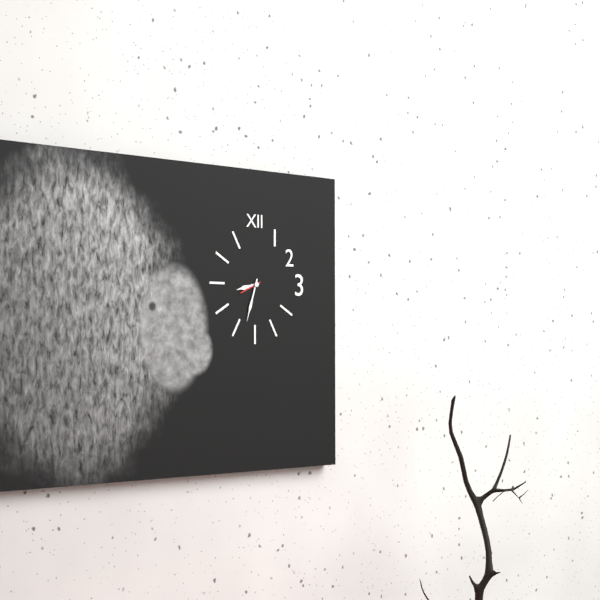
8:33
